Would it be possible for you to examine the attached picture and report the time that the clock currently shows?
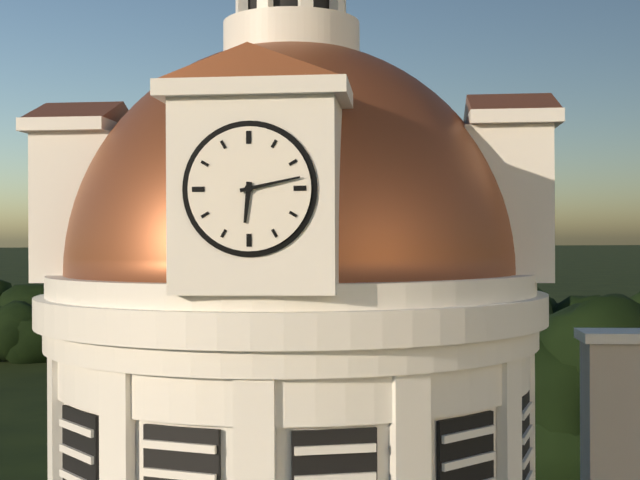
6:13
